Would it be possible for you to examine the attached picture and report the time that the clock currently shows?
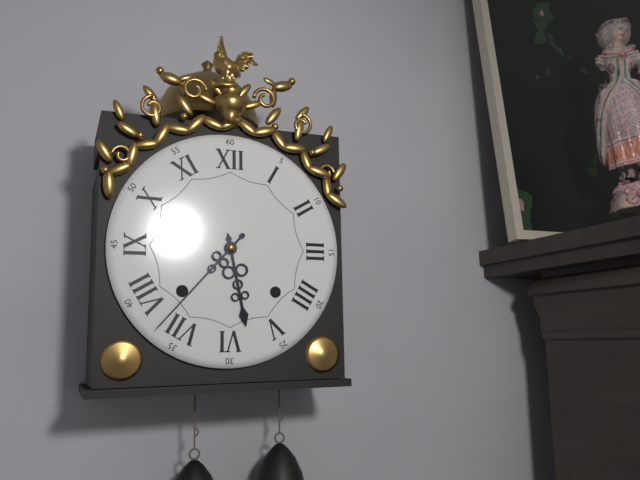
5:37
